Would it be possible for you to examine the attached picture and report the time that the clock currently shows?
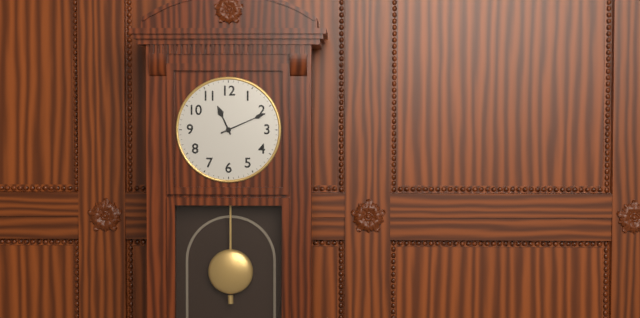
11:11
